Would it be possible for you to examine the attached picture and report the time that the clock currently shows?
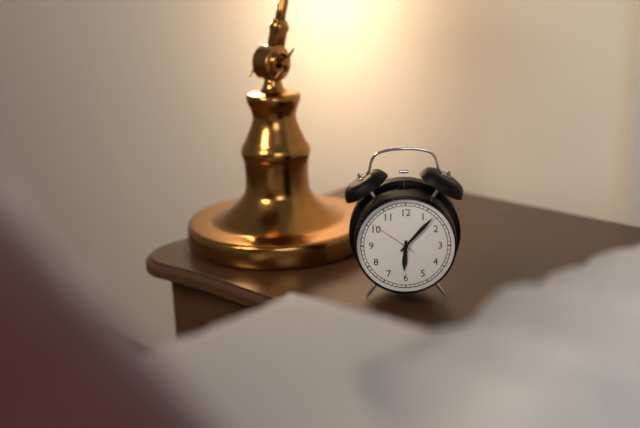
6:07
